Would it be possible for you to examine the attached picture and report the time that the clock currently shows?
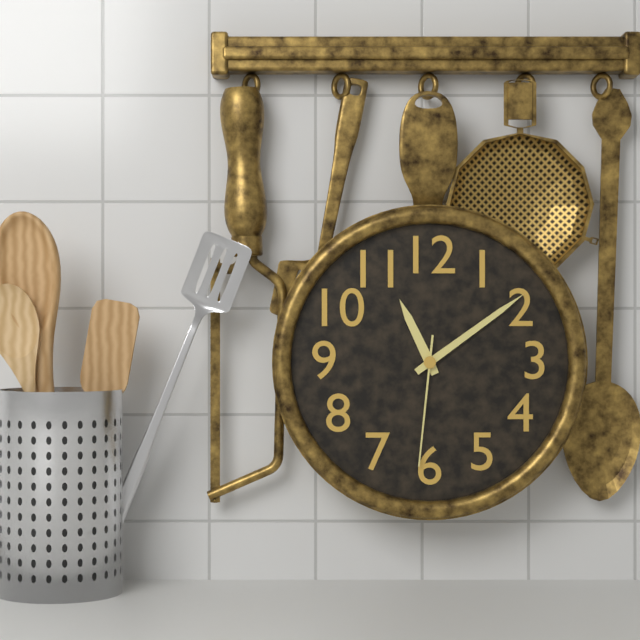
11:09:31
